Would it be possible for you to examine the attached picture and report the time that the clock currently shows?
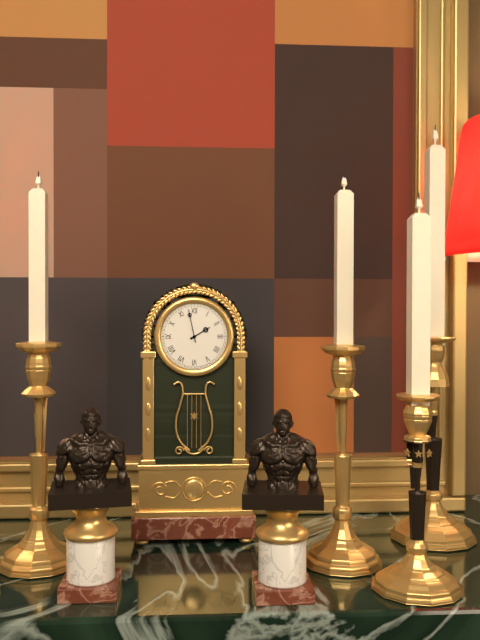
1:58
